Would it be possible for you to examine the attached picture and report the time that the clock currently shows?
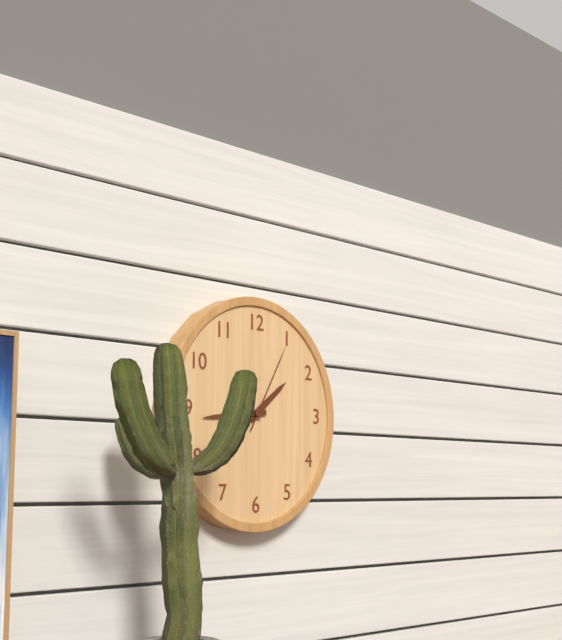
1:44:05
